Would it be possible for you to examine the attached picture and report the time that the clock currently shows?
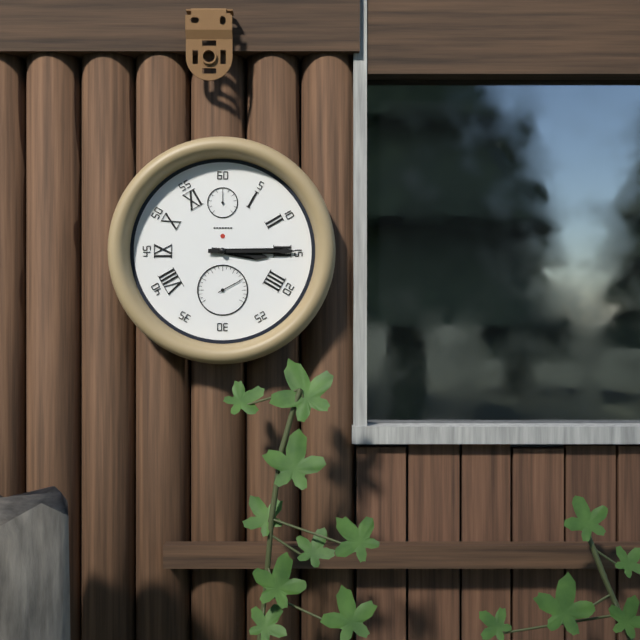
3:15
